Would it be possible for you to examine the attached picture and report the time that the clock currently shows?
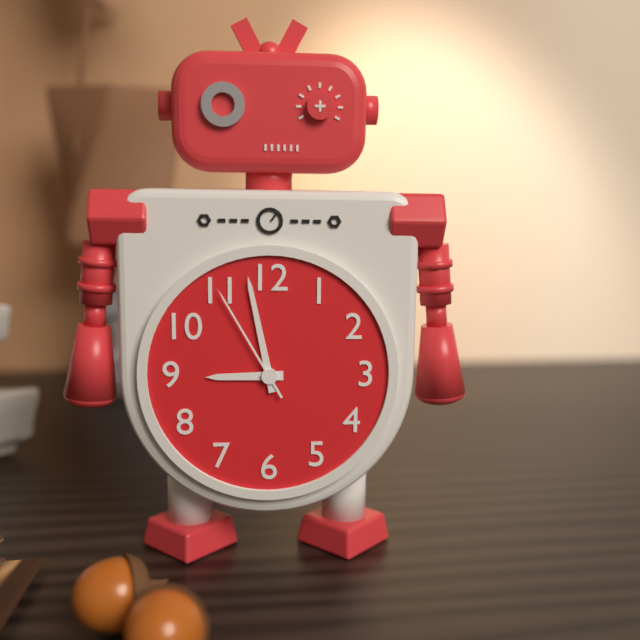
8:58:55
